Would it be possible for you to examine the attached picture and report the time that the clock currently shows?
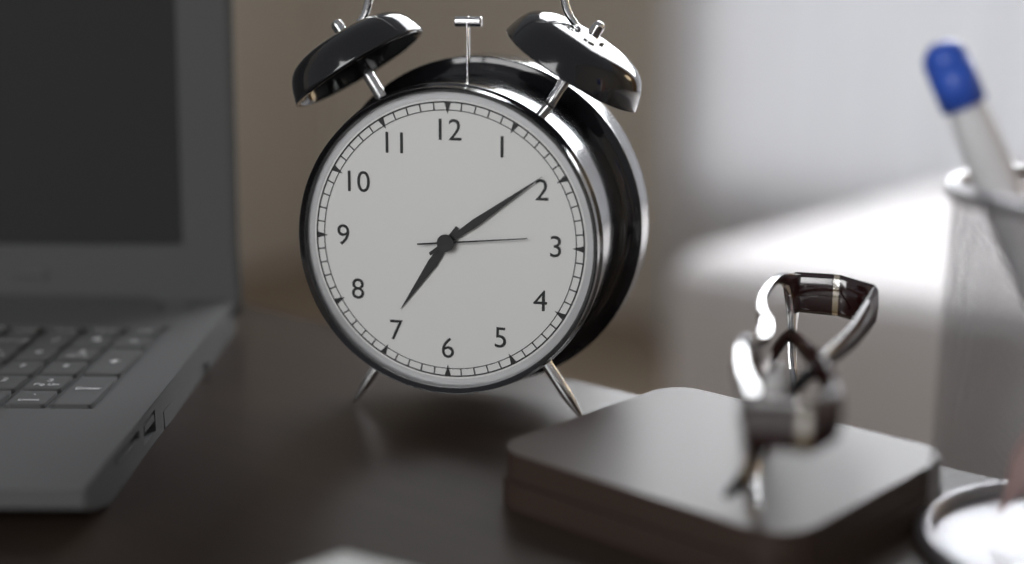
7:09:14
